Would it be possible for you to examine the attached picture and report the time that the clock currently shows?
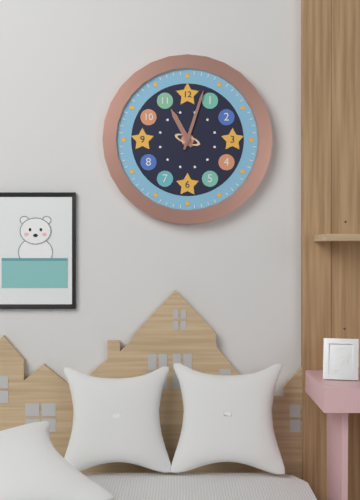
11:03
